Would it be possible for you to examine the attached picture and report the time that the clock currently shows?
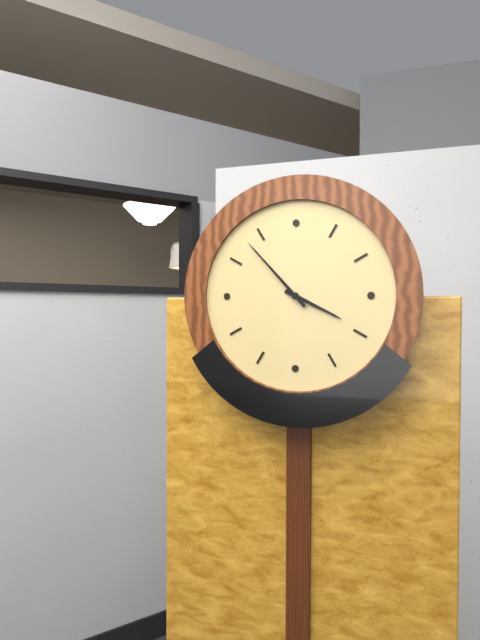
3:53
